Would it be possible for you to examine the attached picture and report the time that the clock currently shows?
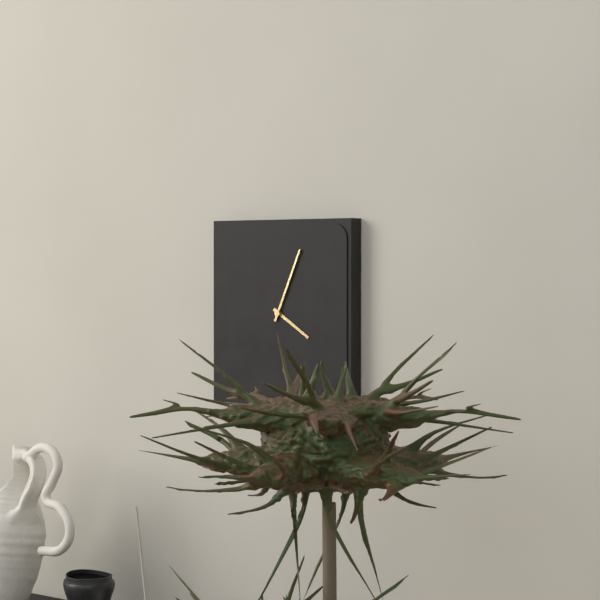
4:04
